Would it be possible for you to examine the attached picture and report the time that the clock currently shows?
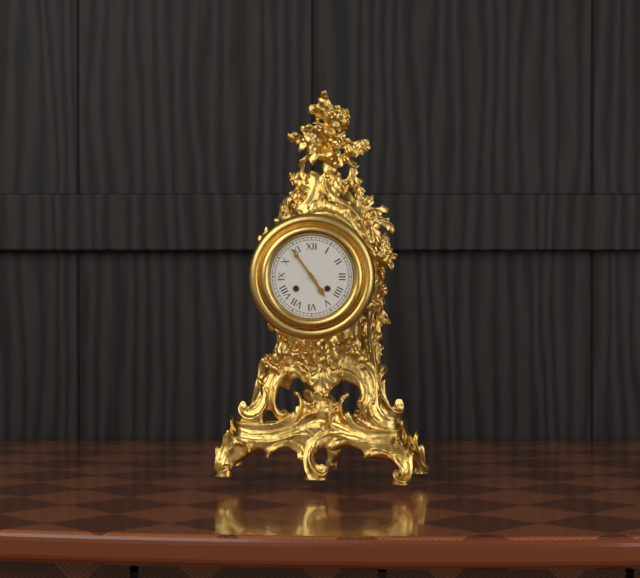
4:54
